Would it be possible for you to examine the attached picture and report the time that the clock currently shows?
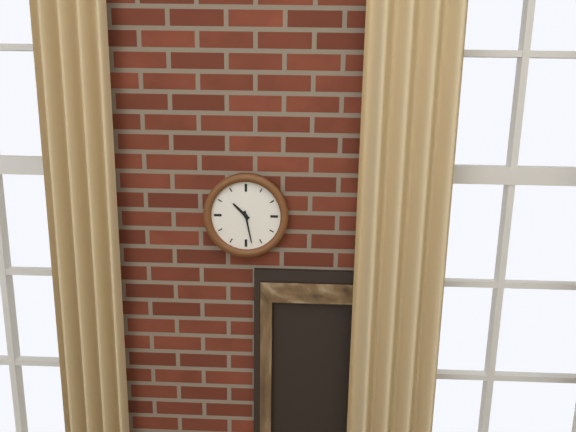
10:28
